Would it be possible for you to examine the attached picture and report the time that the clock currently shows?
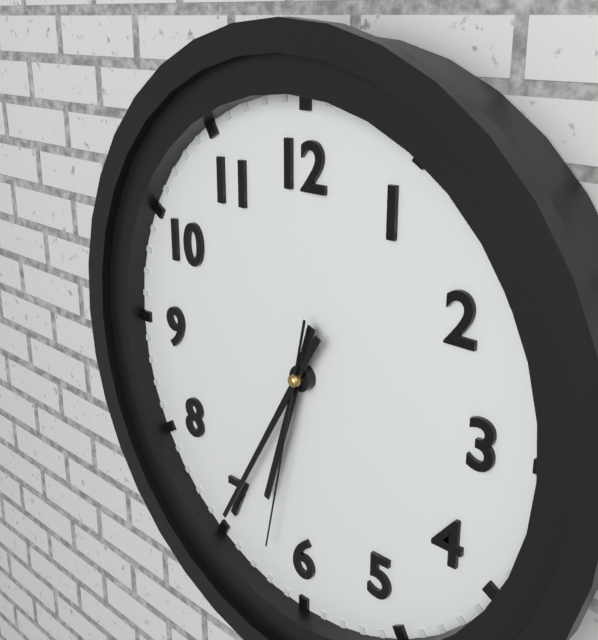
6:35:32
